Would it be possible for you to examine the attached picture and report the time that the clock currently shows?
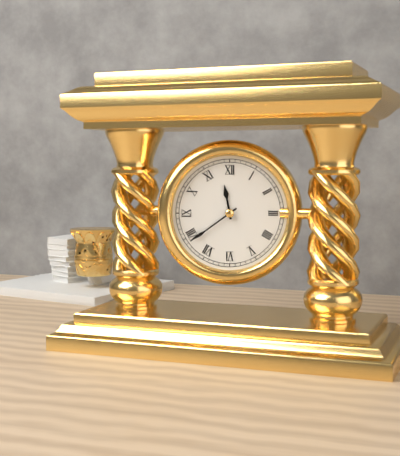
11:39
